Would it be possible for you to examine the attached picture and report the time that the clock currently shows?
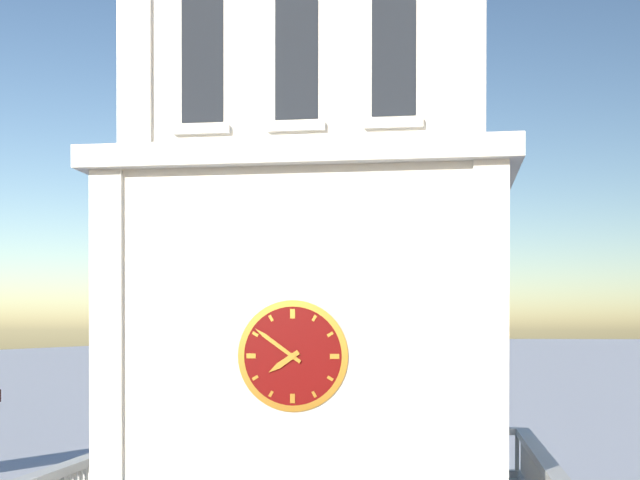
7:51
